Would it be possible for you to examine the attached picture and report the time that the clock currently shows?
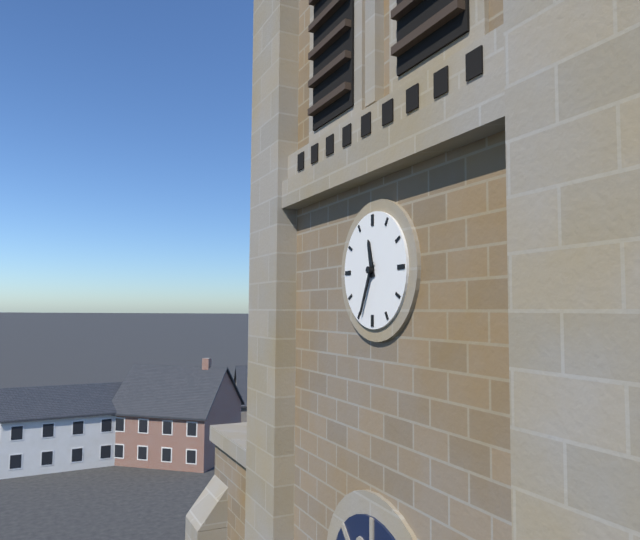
11:34
